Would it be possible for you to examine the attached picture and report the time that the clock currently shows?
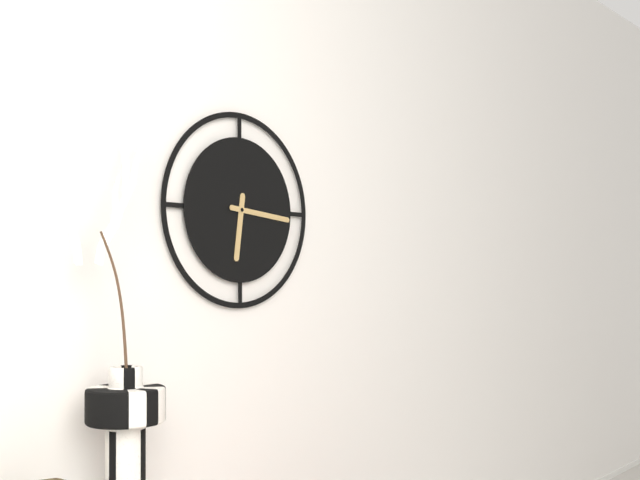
6:16
